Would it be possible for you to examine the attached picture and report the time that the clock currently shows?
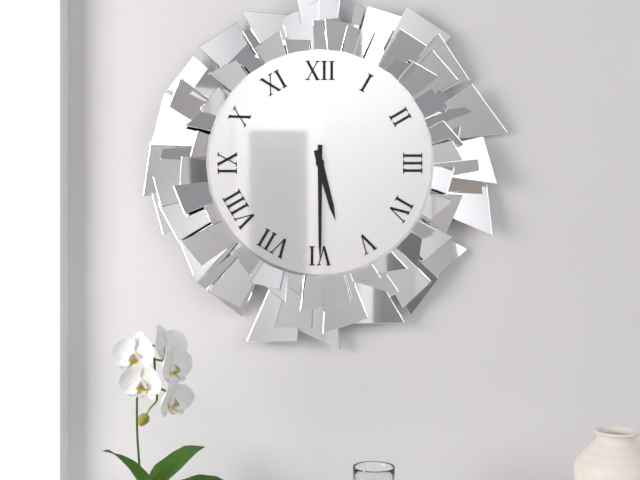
5:30
